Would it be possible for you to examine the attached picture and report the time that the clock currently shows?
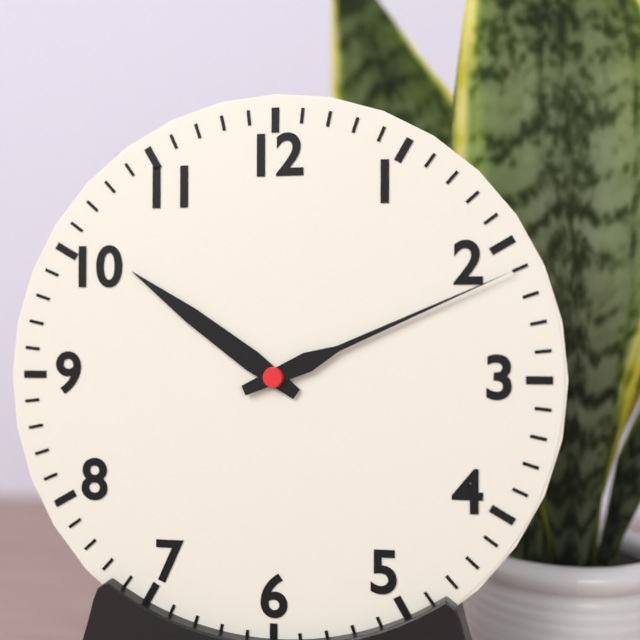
10:11
